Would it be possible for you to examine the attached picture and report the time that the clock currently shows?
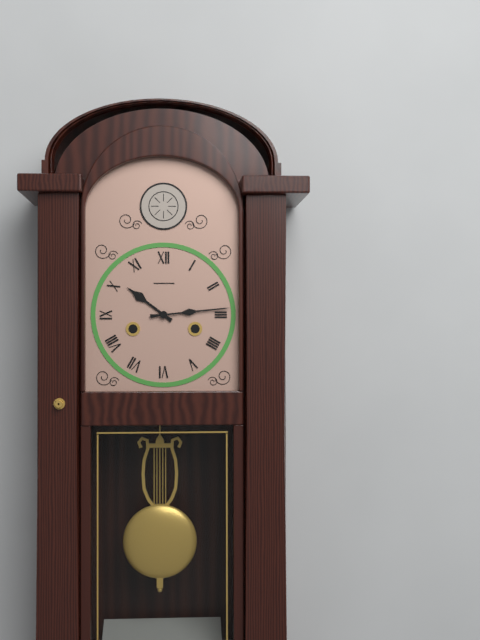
10:14
